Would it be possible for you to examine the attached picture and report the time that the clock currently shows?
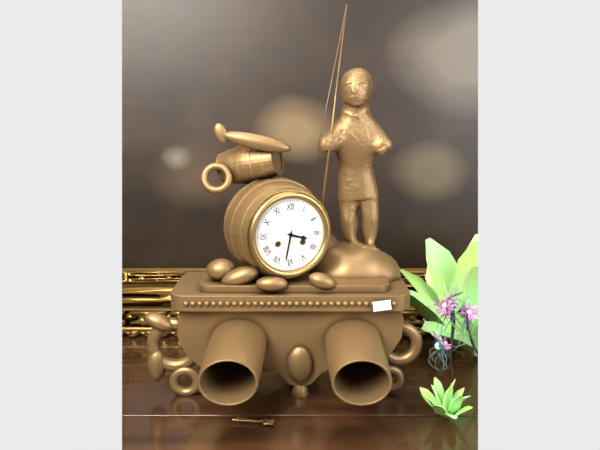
3:32
